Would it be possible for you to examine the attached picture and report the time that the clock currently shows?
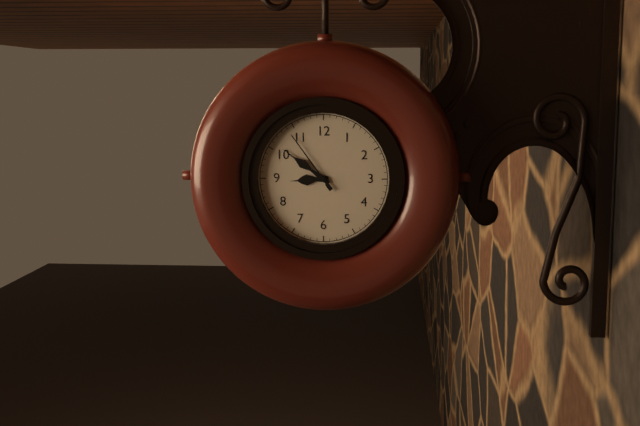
8:51:54
